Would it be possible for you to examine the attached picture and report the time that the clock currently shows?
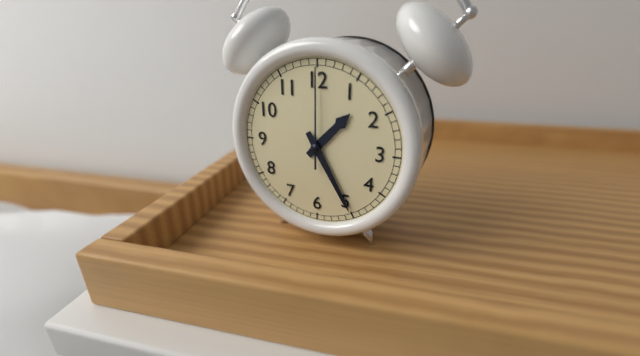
1:25:00
